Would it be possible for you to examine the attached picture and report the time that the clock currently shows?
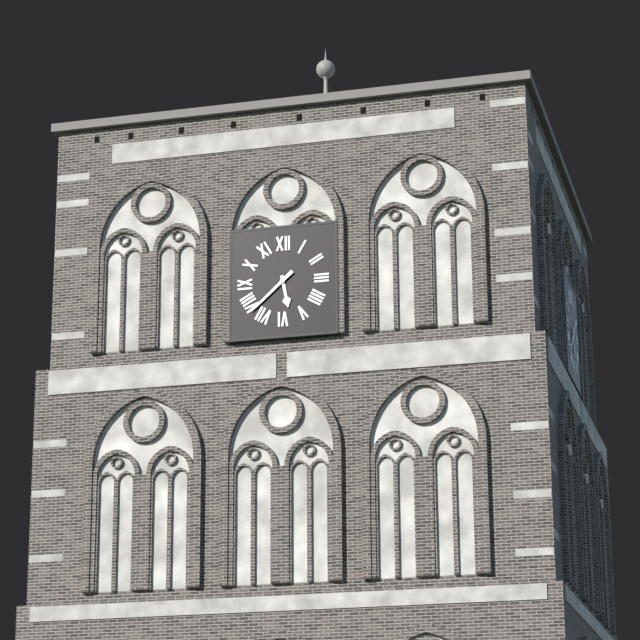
5:38
